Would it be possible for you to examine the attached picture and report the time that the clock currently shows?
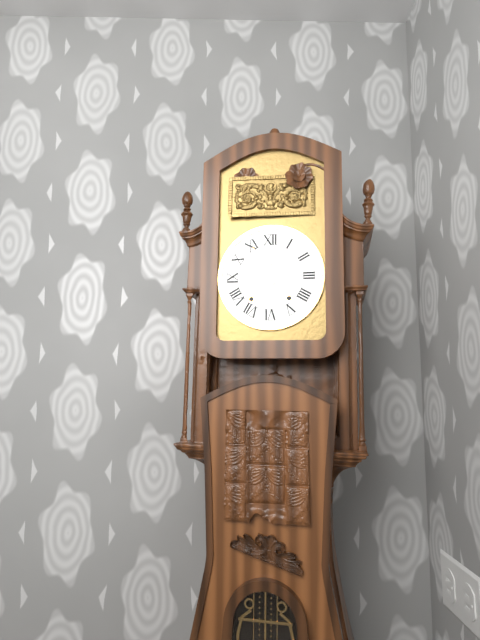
11:55
